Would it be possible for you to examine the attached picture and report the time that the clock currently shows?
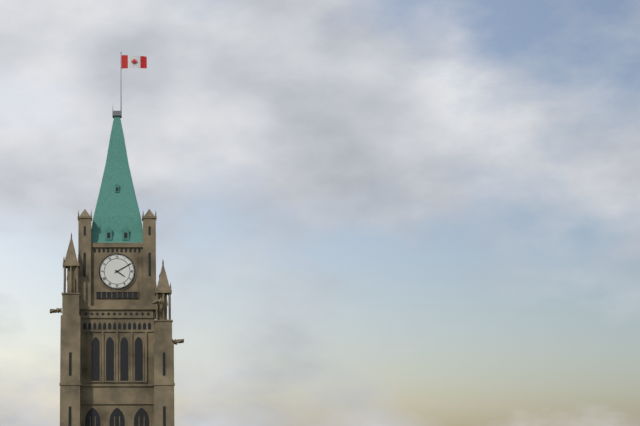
4:10
